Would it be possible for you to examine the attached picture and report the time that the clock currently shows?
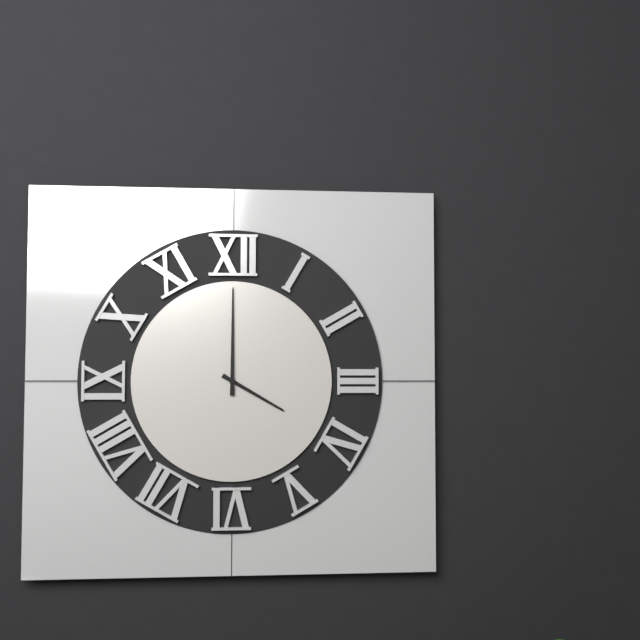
4:00
